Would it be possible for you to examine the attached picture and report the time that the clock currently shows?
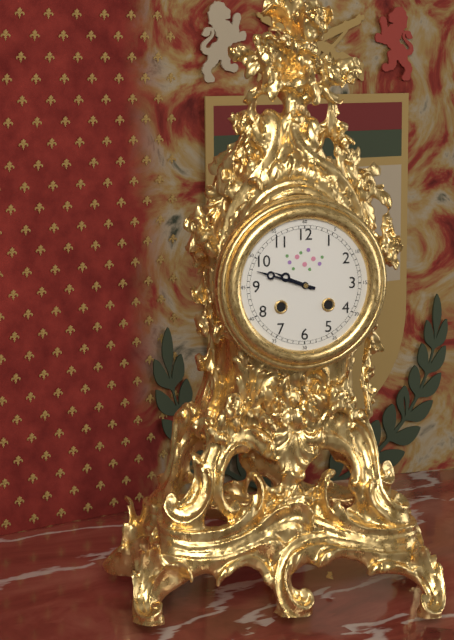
9:48
